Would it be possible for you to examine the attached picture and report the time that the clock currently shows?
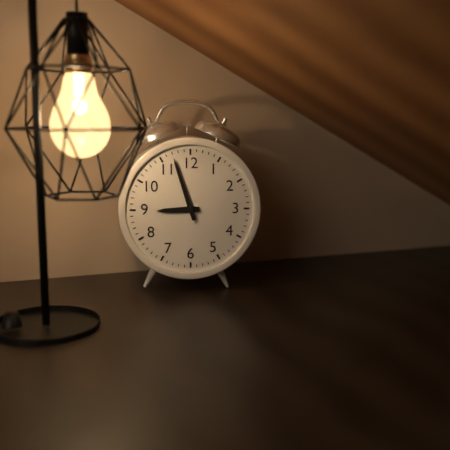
8:57
